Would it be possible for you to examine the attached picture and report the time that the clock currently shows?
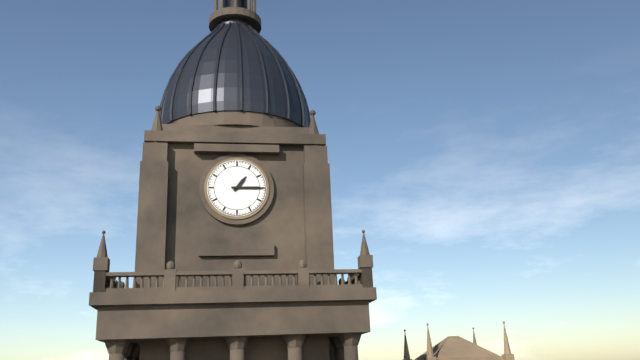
1:15
